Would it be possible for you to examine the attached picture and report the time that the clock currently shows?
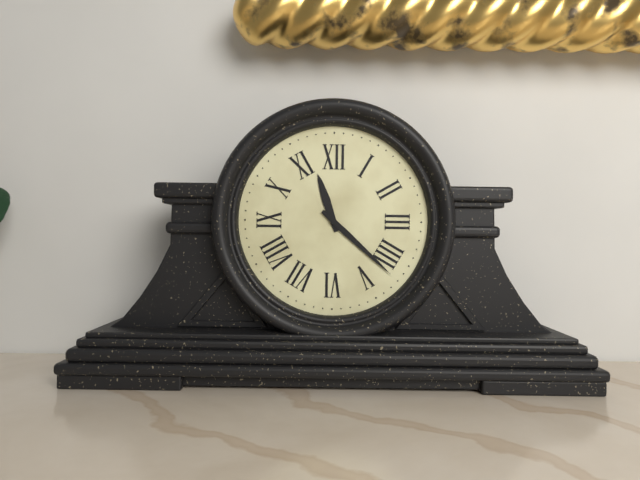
11:22
